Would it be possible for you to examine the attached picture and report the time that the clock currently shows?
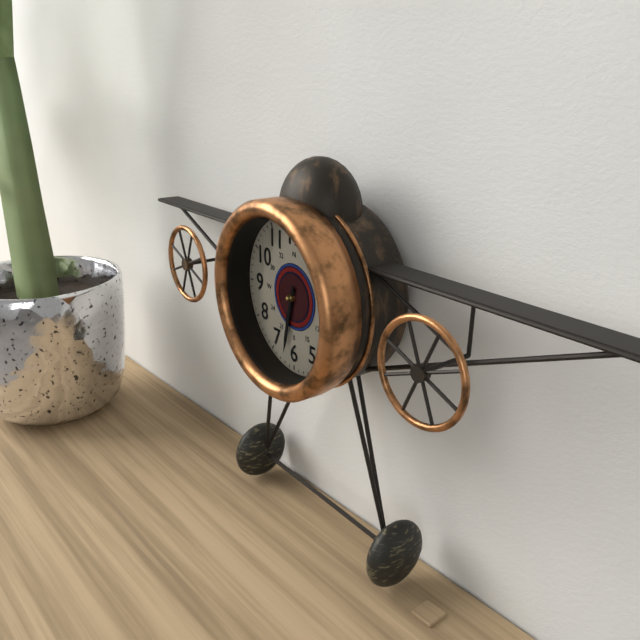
6:32
